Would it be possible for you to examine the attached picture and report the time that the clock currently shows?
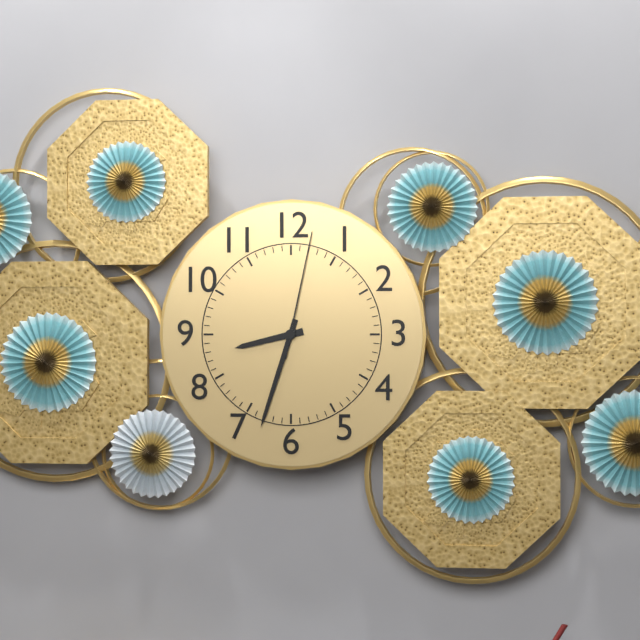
8:33:02
